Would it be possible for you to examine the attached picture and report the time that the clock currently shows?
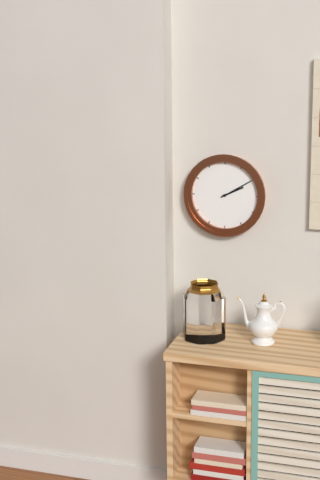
2:10
